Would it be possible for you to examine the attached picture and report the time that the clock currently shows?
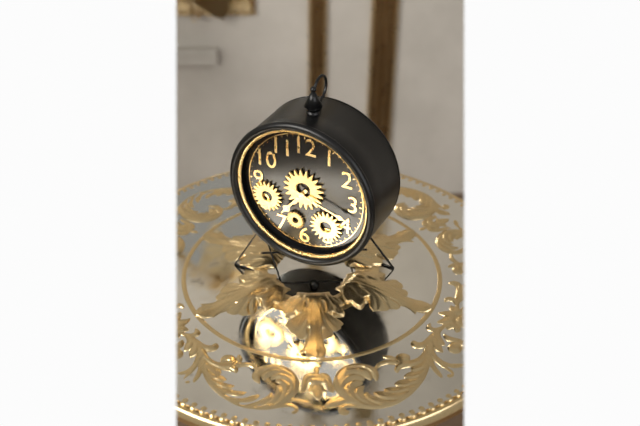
7:18
